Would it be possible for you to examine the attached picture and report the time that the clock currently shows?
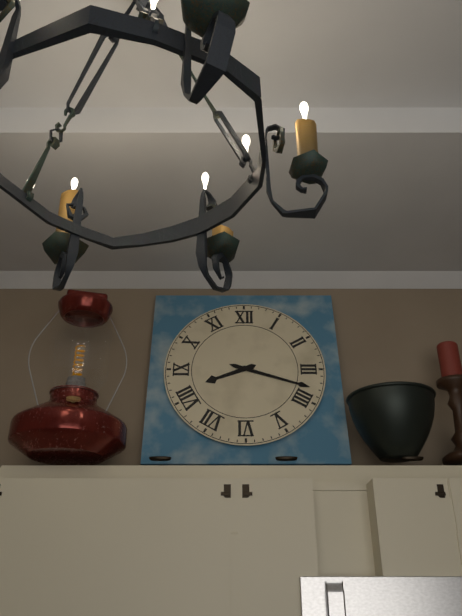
8:18
